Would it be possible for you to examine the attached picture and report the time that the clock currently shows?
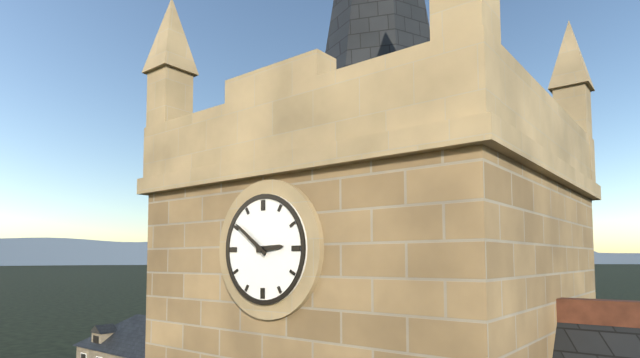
2:51
